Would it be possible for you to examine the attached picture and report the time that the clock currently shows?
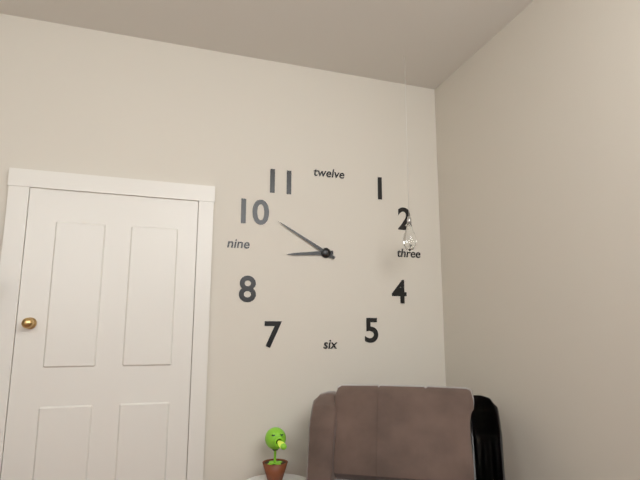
8:50
